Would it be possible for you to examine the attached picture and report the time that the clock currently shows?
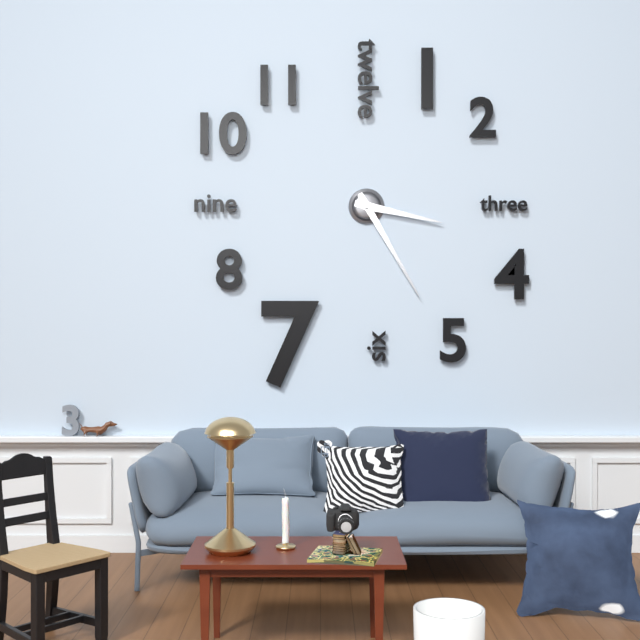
3:25
